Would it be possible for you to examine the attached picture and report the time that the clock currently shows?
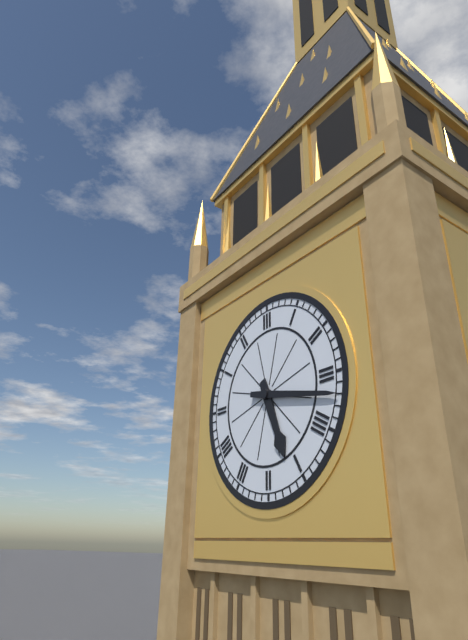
5:17
